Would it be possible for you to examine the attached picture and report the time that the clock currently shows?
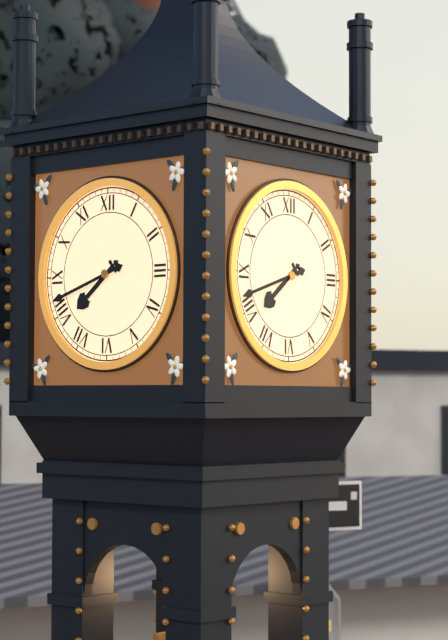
7:42
